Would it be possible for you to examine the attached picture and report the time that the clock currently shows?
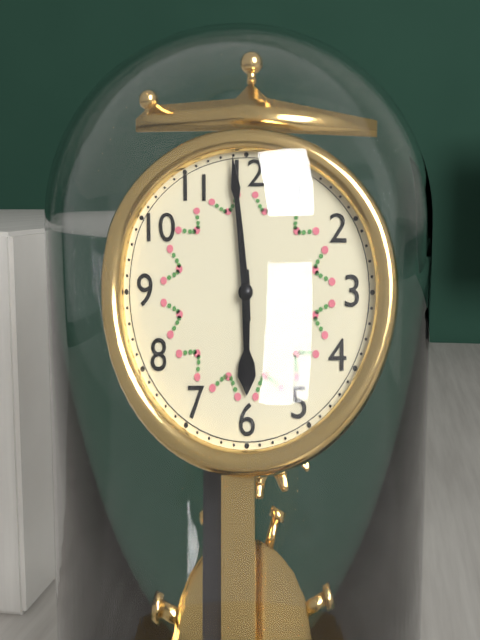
5:59
